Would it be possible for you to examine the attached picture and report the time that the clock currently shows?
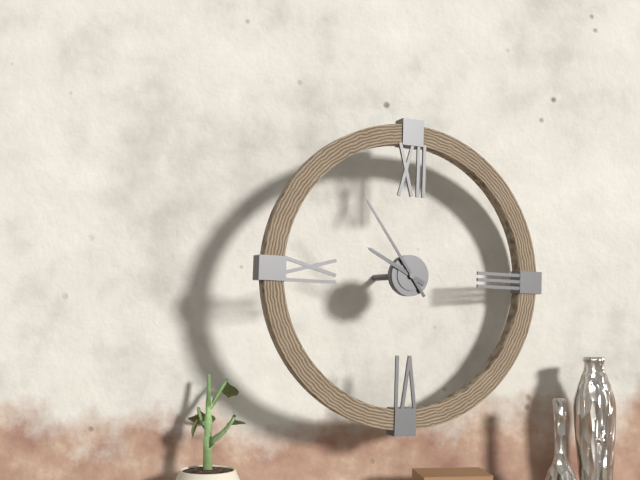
9:54
